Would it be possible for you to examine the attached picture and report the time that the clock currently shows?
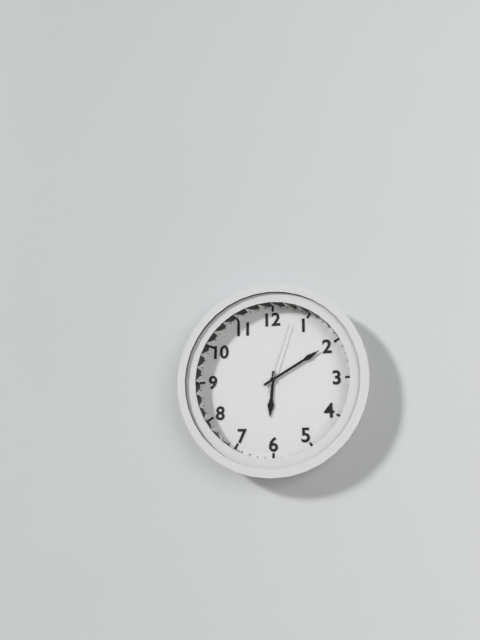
6:10:03
